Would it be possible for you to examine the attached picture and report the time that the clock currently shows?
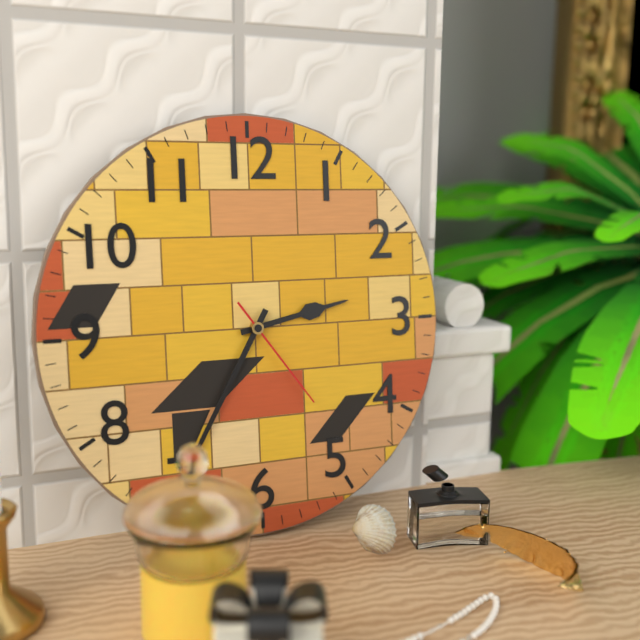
2:35:24
